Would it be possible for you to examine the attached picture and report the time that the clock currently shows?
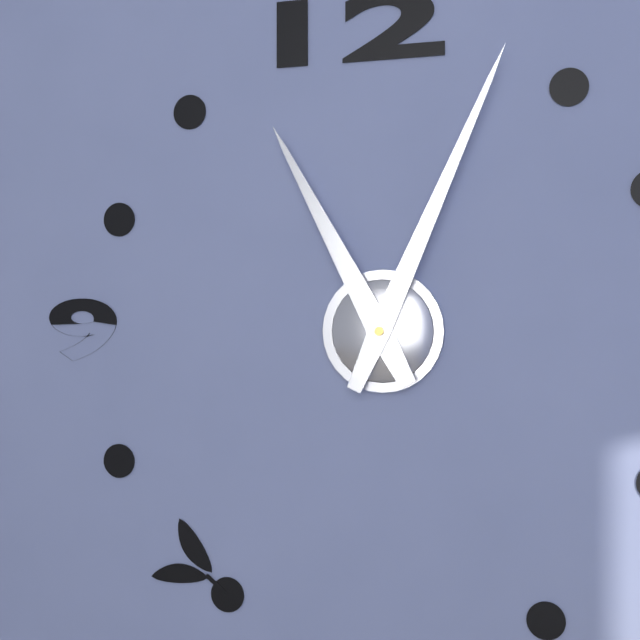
11:04
